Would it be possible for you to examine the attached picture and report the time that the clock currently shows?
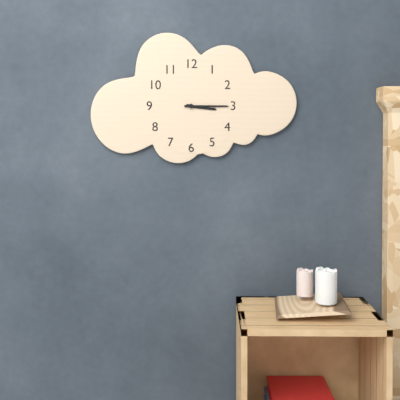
3:15
